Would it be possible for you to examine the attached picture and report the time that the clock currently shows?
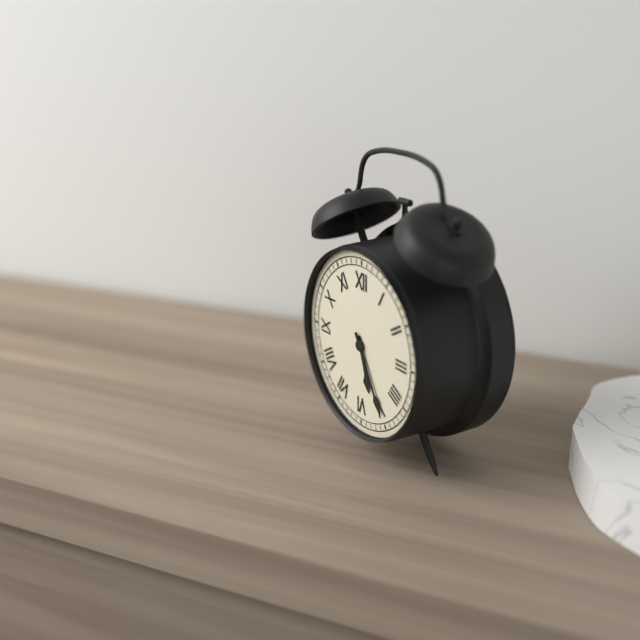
5:25
